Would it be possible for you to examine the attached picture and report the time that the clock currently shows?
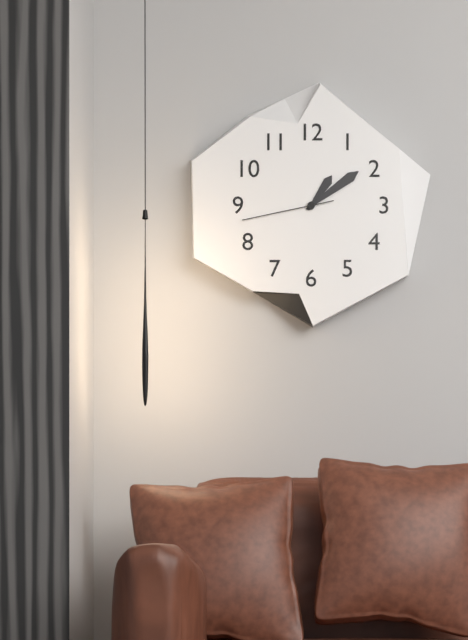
1:09:43
